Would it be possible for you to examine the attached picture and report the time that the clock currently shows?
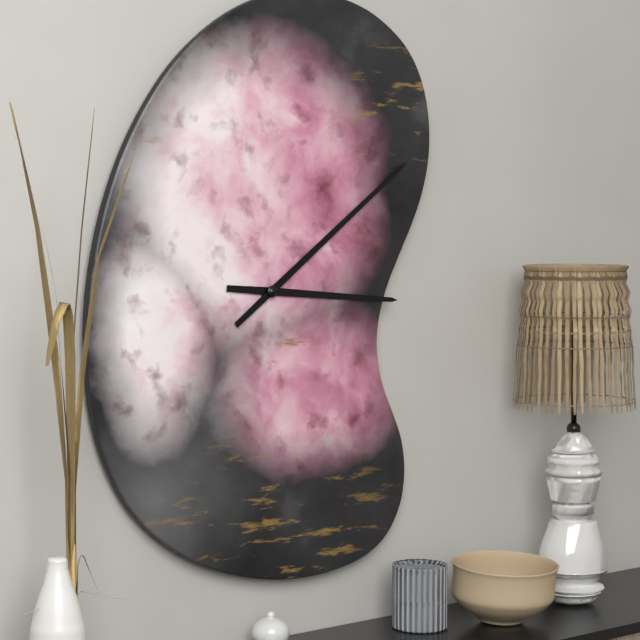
3:09
